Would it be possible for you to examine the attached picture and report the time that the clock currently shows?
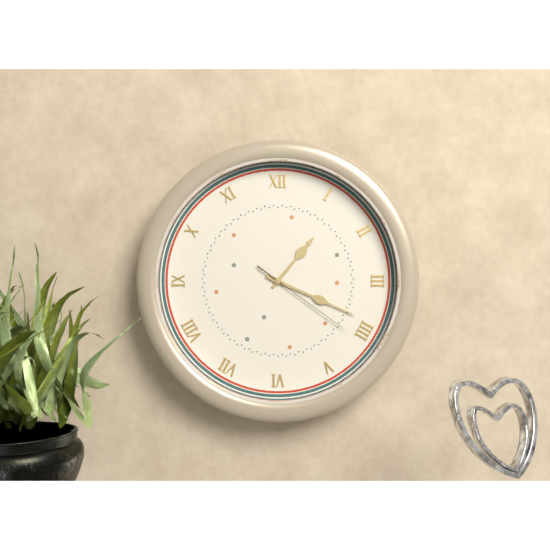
1:19:21
